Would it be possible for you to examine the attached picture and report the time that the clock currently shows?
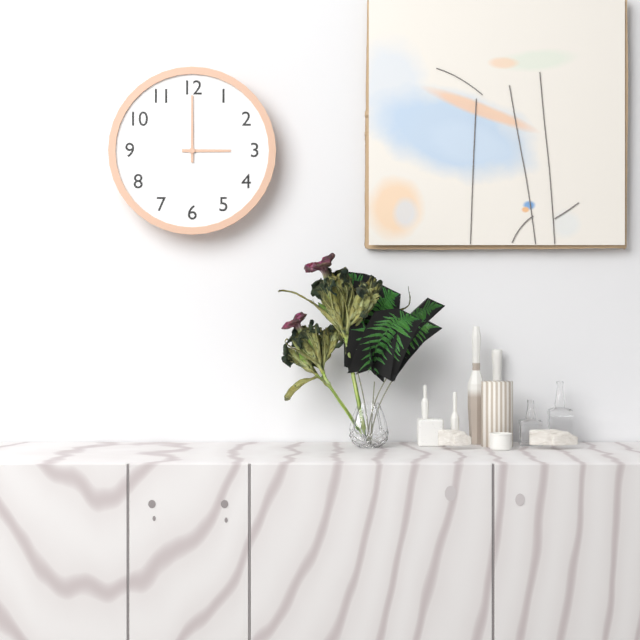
3:00
